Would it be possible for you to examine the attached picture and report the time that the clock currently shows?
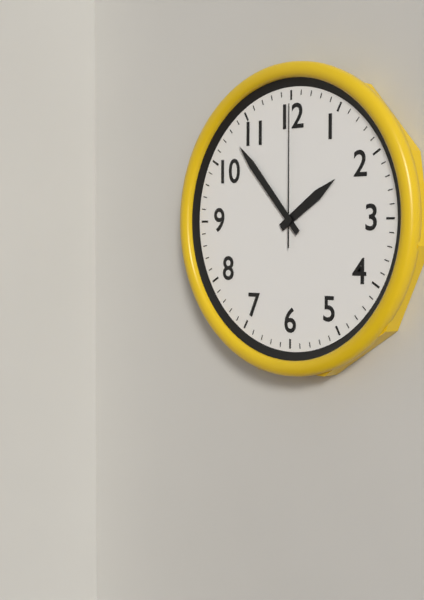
1:53:00
